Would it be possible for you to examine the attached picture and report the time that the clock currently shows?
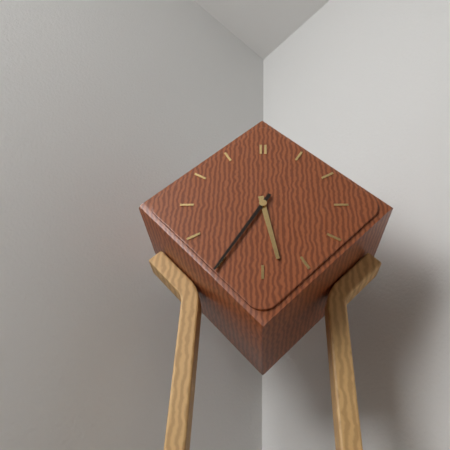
5:35
